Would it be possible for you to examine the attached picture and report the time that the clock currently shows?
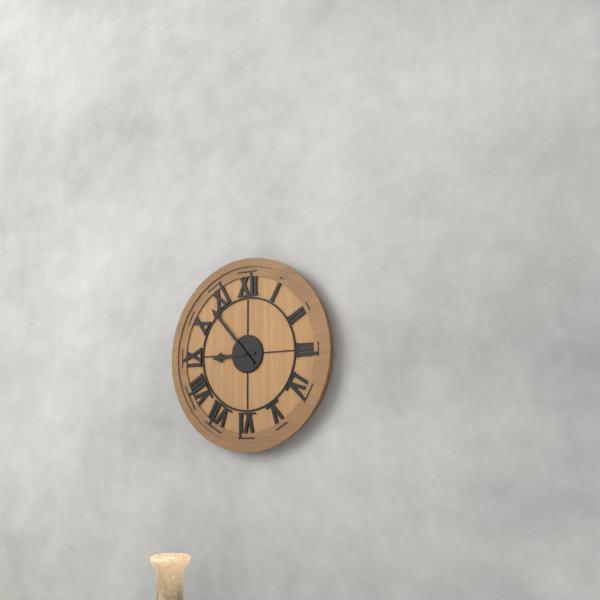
8:53
